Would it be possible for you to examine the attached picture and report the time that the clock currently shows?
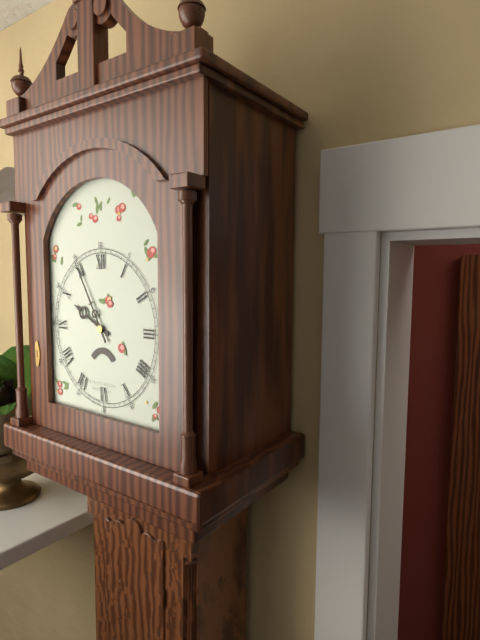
9:55
